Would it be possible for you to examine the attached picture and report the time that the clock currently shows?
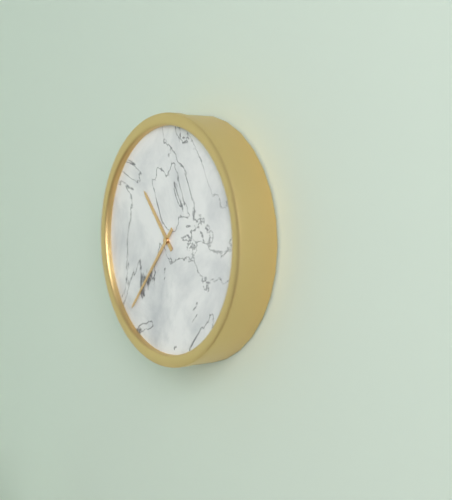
10:37
